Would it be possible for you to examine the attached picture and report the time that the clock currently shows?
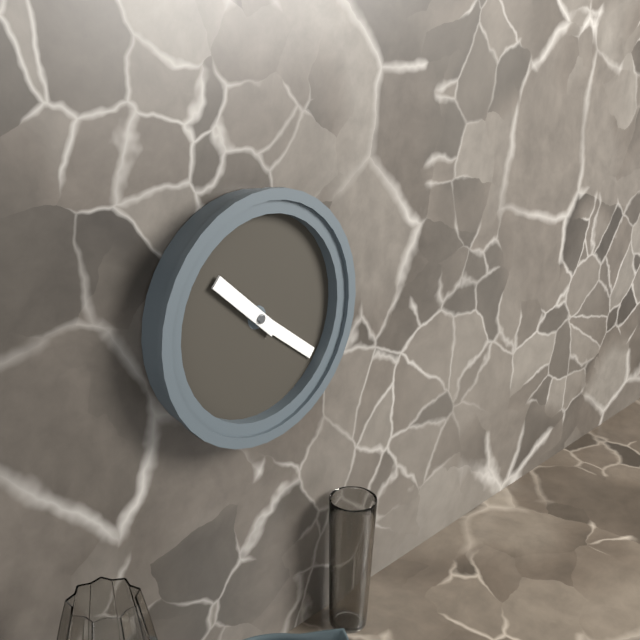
10:21
